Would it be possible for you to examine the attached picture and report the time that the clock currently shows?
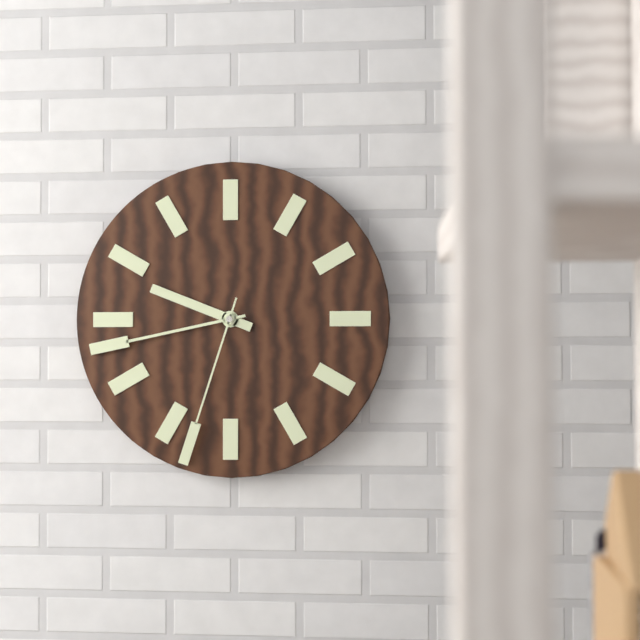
9:43:33
